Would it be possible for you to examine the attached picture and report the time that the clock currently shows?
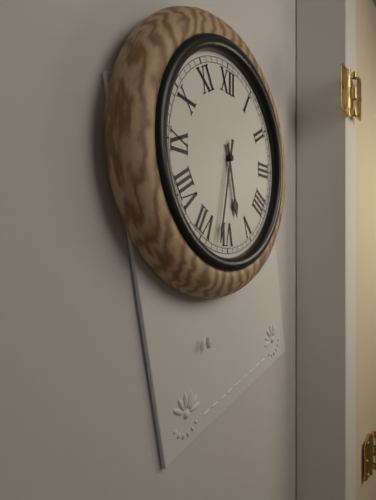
5:32
